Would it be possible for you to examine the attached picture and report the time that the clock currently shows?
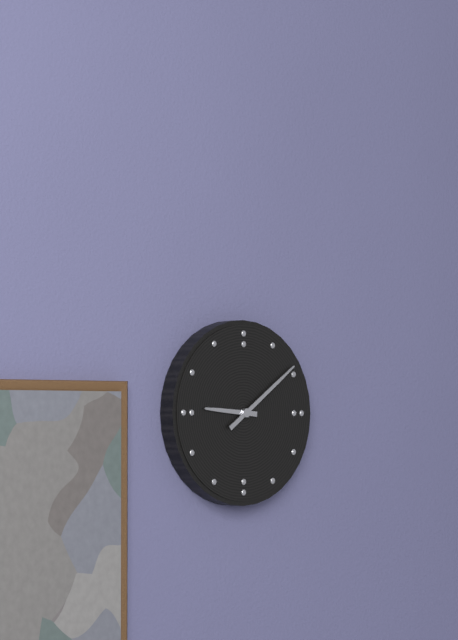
9:09
